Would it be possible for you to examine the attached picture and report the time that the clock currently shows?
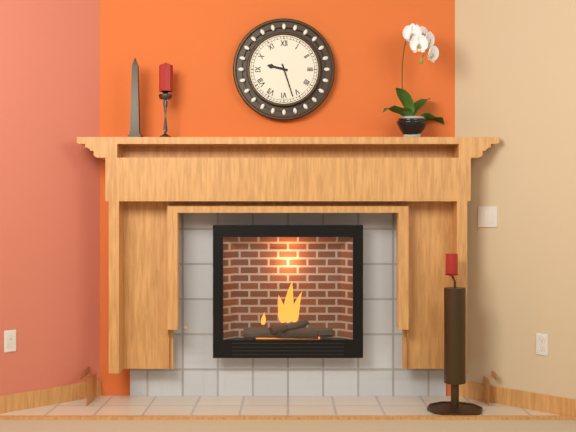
9:27
